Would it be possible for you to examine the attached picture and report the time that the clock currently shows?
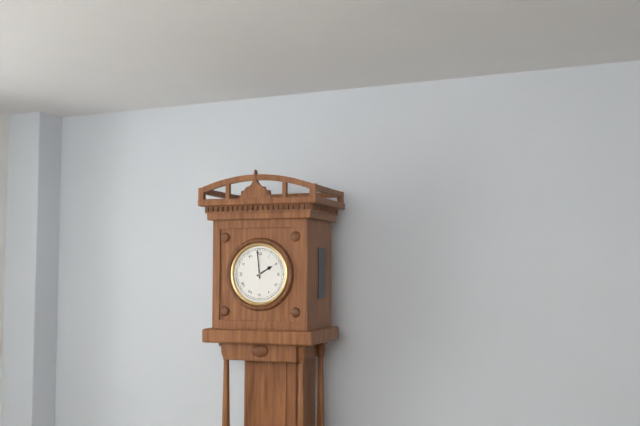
1:59
